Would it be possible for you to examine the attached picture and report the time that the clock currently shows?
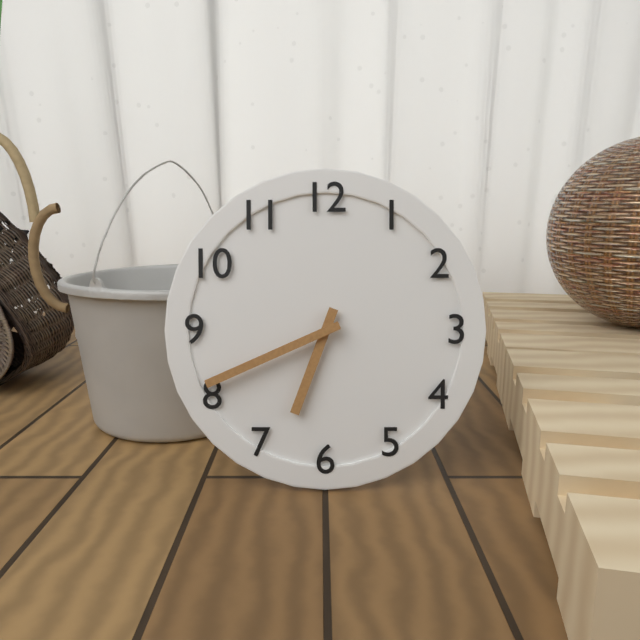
6:41
